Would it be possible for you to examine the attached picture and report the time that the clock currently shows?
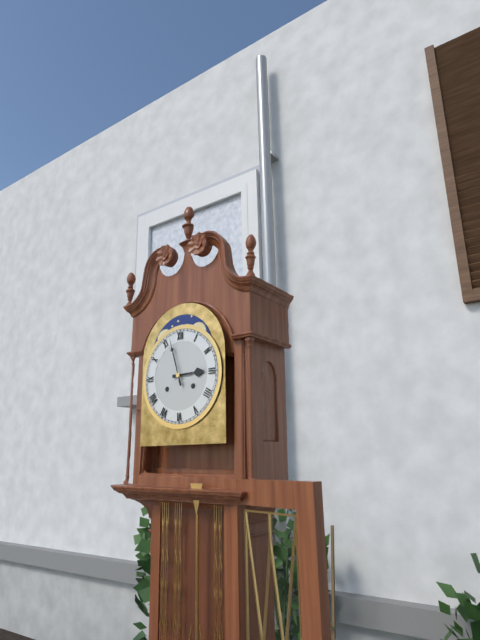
2:57
